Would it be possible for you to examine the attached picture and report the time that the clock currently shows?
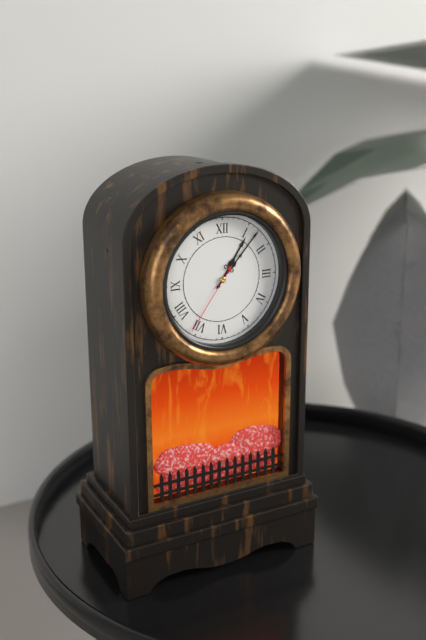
1:07:36
